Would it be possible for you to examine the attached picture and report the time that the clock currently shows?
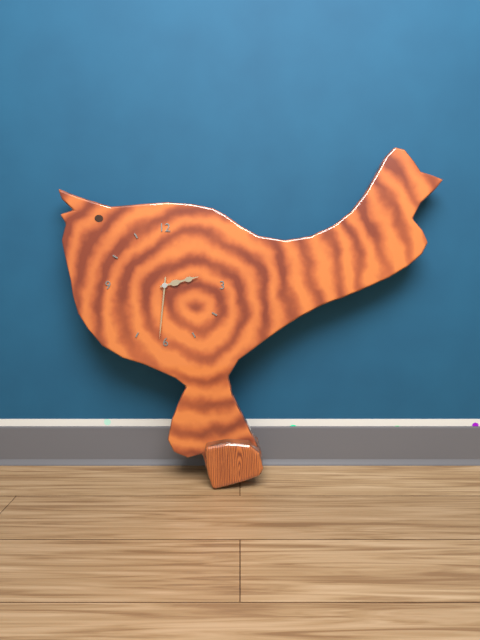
2:31
